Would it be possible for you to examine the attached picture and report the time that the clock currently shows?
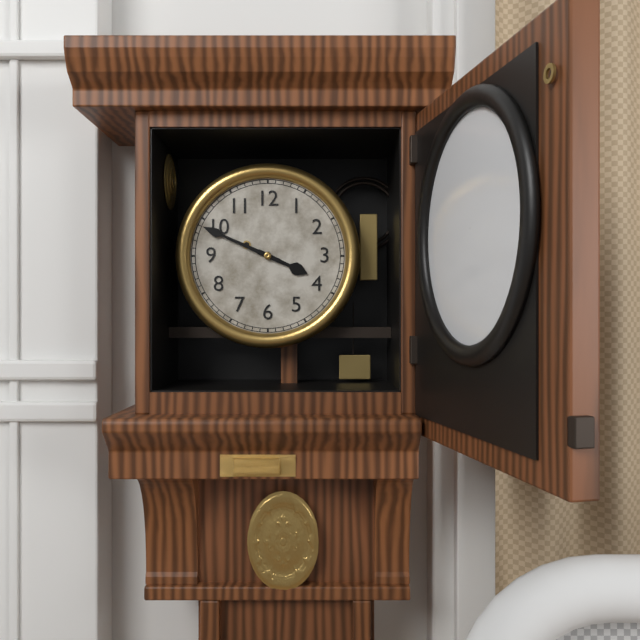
3:49
